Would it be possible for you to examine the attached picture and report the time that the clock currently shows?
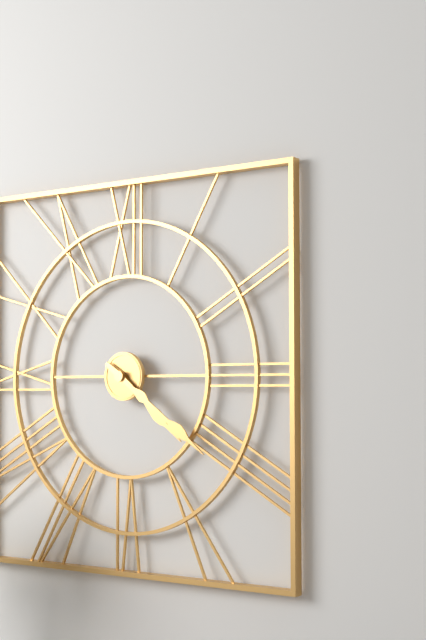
4:21
